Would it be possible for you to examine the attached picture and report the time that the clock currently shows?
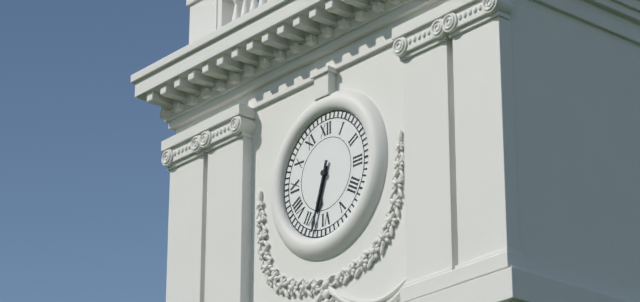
6:33
